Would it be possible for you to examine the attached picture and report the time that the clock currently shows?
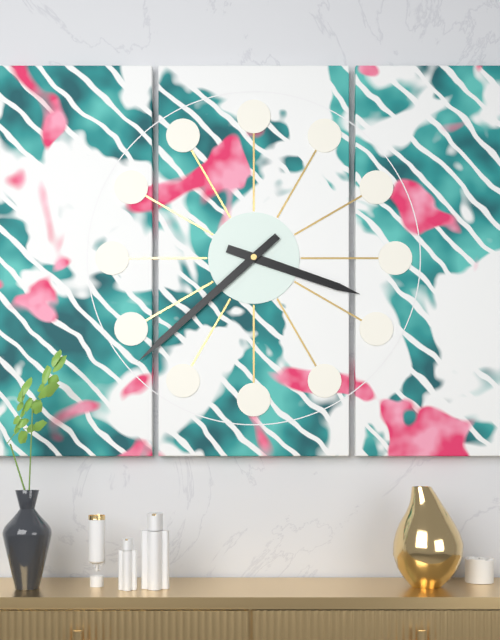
3:38
